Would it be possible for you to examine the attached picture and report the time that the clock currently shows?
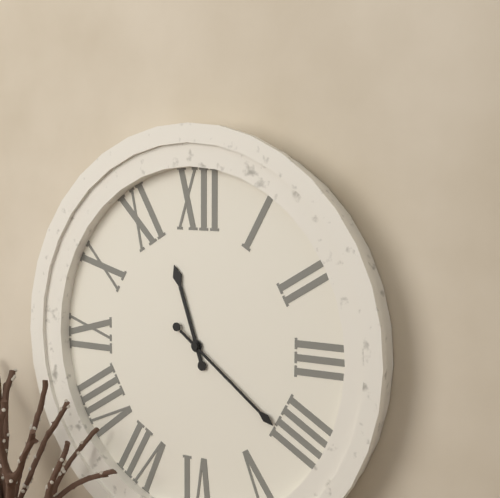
11:21
